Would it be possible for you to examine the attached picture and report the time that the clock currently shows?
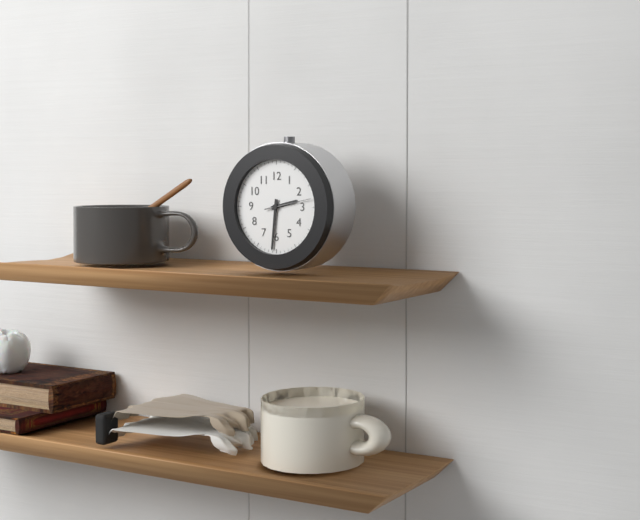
2:31
